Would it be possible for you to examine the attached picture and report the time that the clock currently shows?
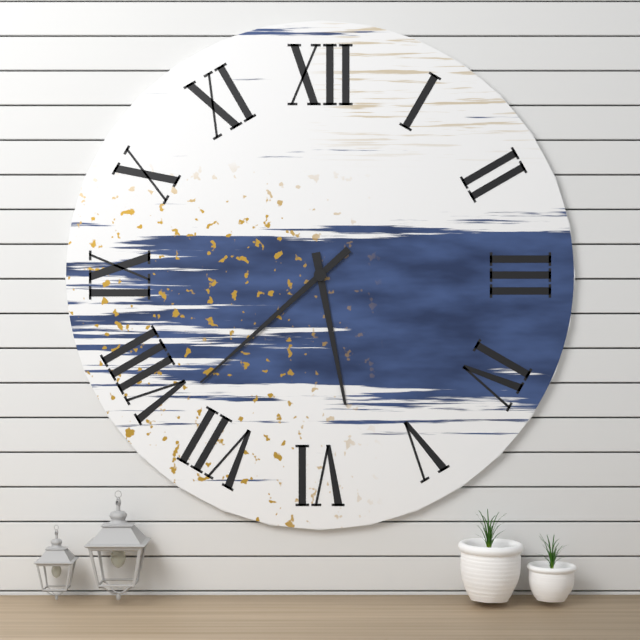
5:38
